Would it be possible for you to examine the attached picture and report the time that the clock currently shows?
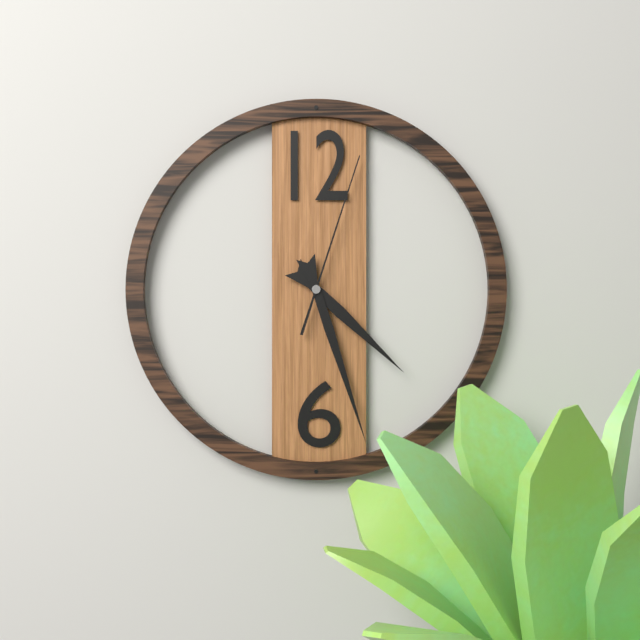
4:27:03
